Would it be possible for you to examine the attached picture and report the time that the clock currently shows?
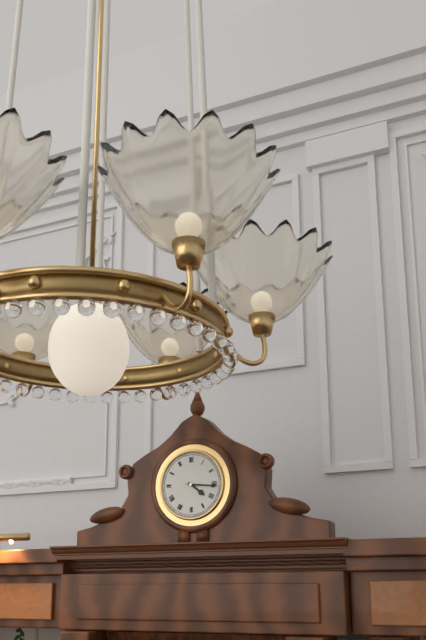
4:16
